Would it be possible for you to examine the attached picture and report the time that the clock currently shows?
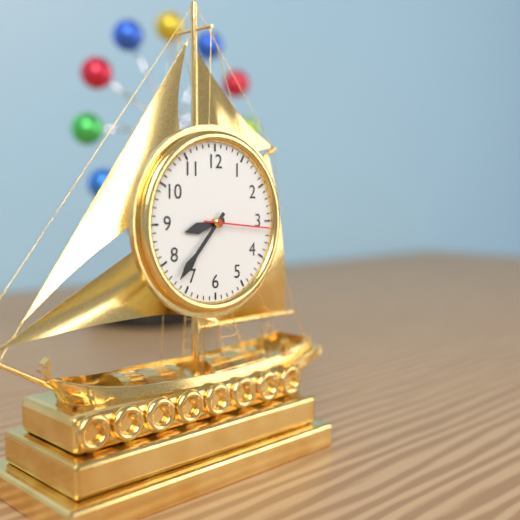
8:37:16
